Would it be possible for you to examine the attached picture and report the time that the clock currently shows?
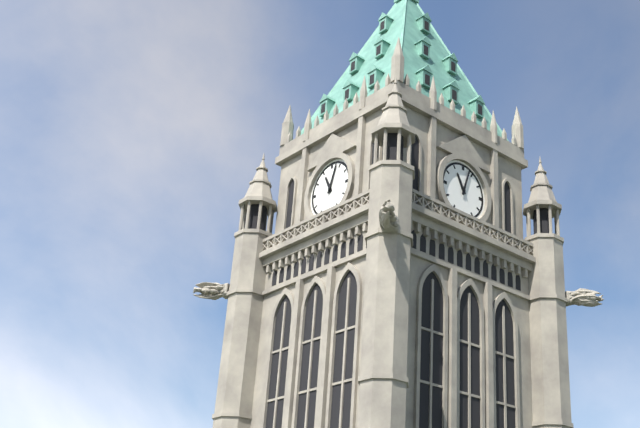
11:03
